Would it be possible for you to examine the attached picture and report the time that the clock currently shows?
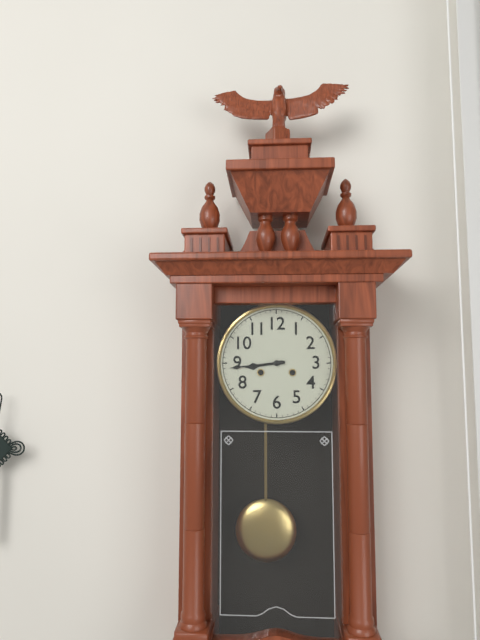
8:44
